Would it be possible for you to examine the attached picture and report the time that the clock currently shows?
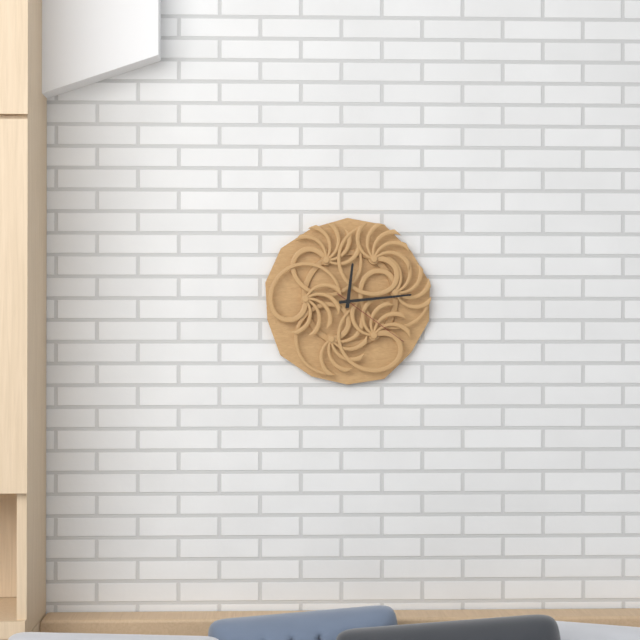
12:14:21
